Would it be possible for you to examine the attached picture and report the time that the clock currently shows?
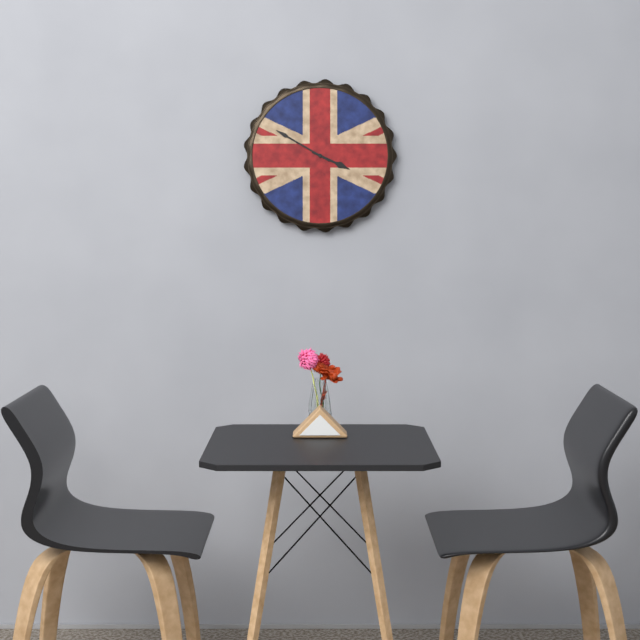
3:50
